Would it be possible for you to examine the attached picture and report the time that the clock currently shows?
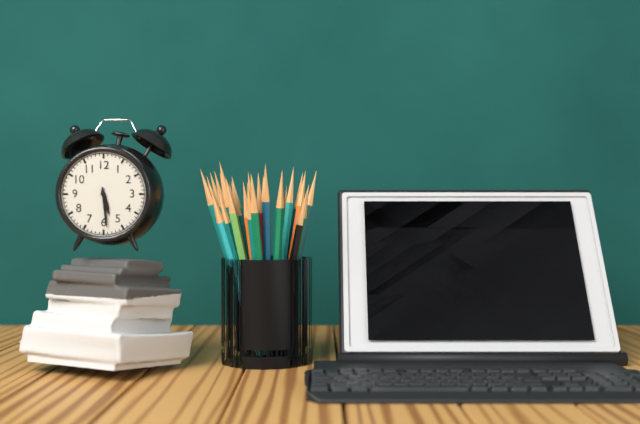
5:29
